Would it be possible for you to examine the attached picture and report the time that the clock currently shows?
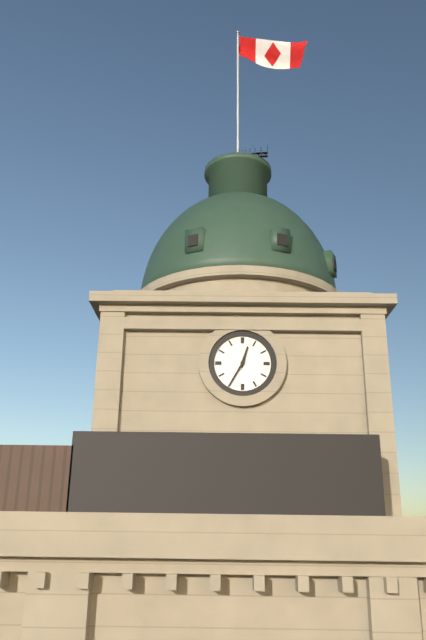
12:35
